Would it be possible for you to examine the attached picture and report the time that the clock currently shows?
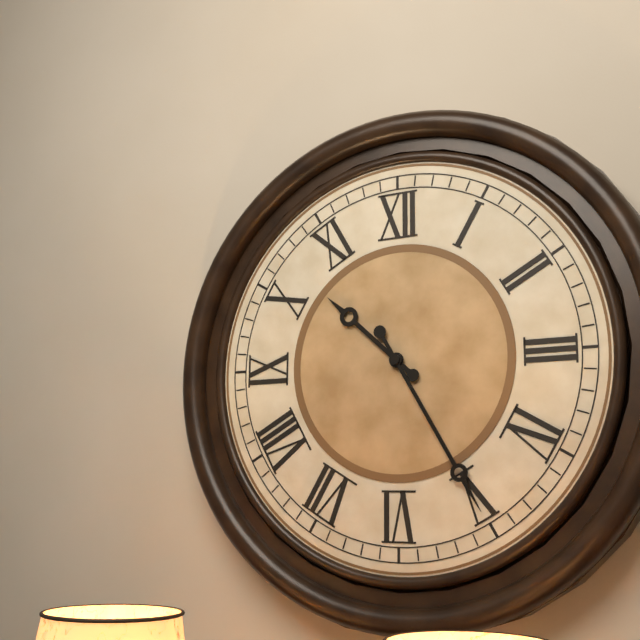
10:25
